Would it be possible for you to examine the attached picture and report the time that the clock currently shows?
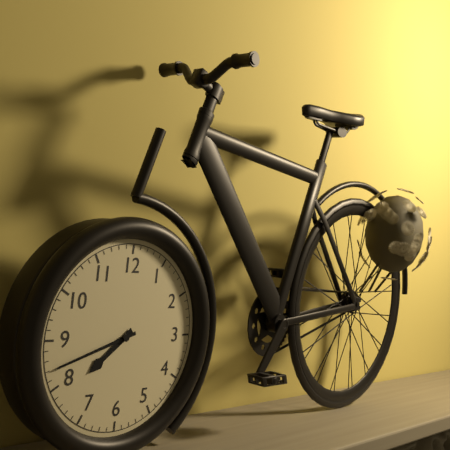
7:42
